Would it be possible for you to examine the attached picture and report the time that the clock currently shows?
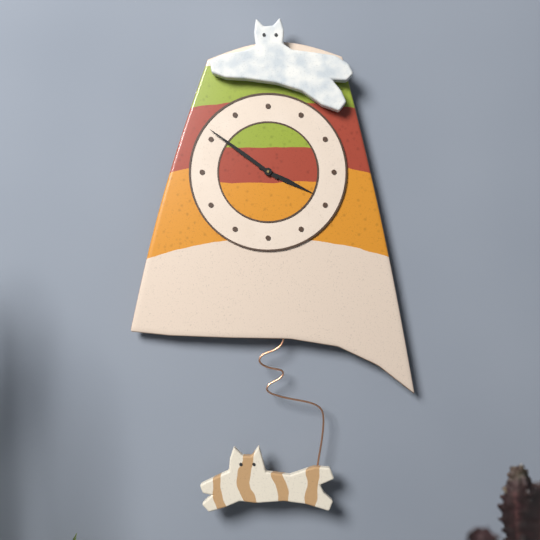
3:51
